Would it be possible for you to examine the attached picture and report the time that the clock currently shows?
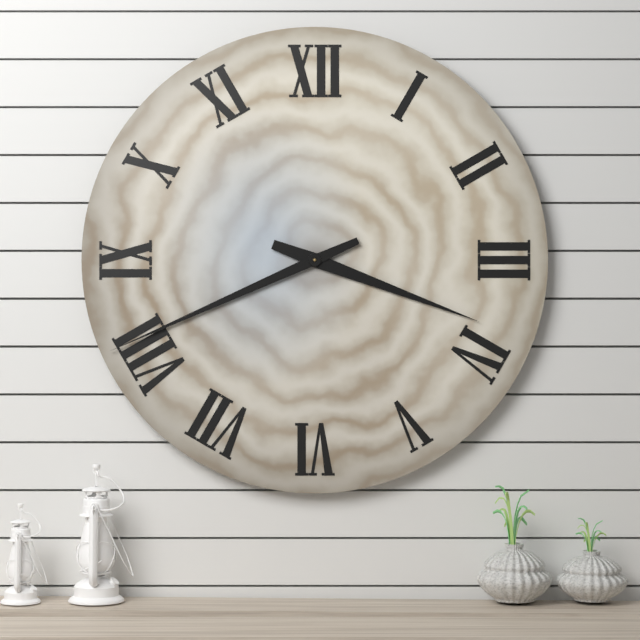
3:41
